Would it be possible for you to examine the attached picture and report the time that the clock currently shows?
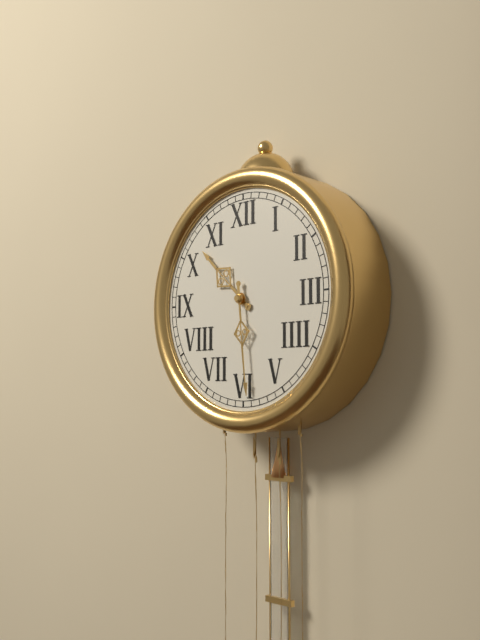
10:29
